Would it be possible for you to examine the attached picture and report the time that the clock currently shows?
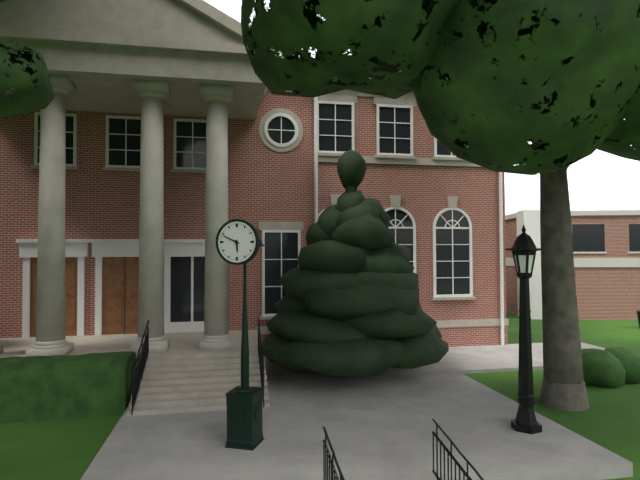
5:49
